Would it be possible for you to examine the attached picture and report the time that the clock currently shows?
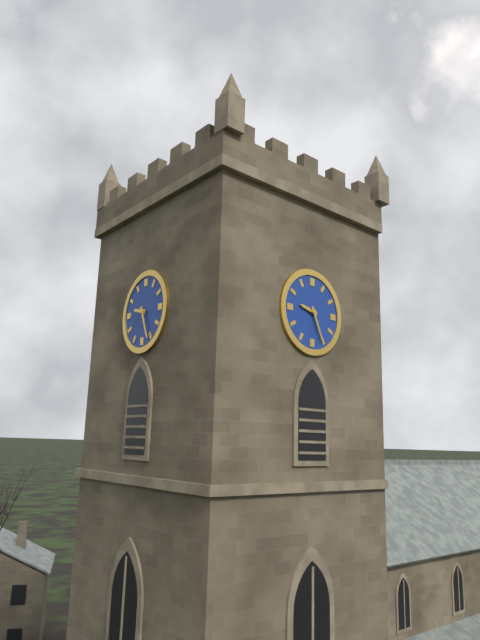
9:26
